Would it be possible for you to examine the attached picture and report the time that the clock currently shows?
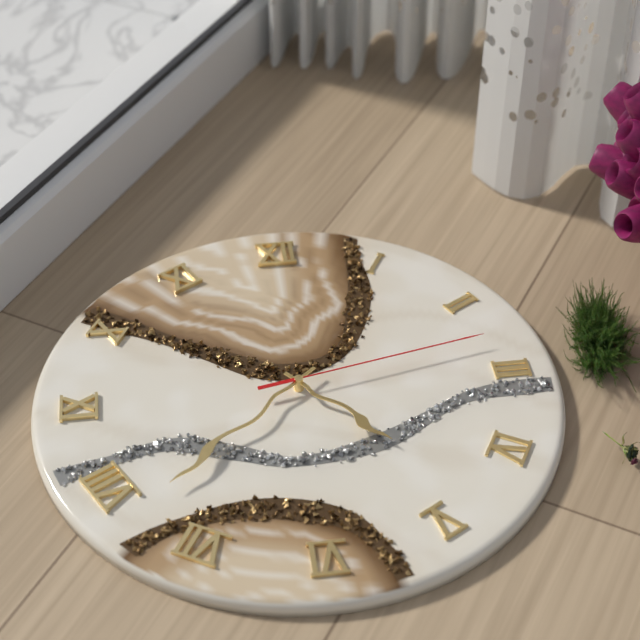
4:38:13
